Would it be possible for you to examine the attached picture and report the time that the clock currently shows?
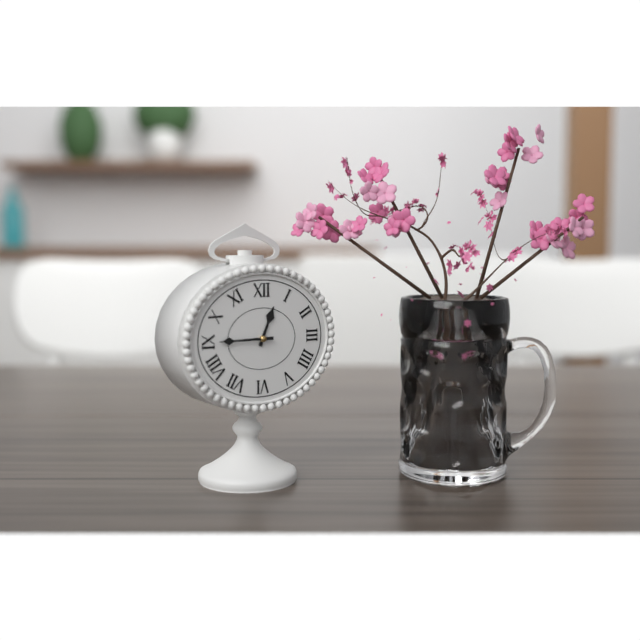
12:45
